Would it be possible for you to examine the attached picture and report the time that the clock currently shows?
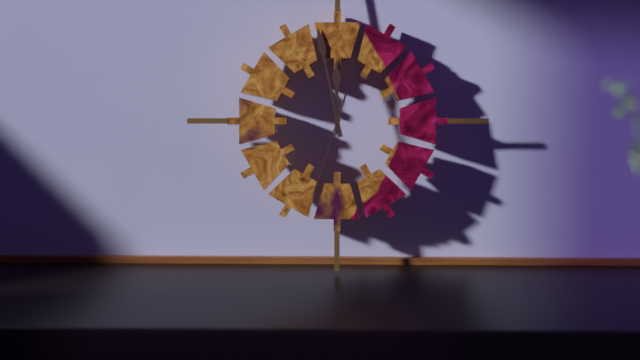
11:58:33
